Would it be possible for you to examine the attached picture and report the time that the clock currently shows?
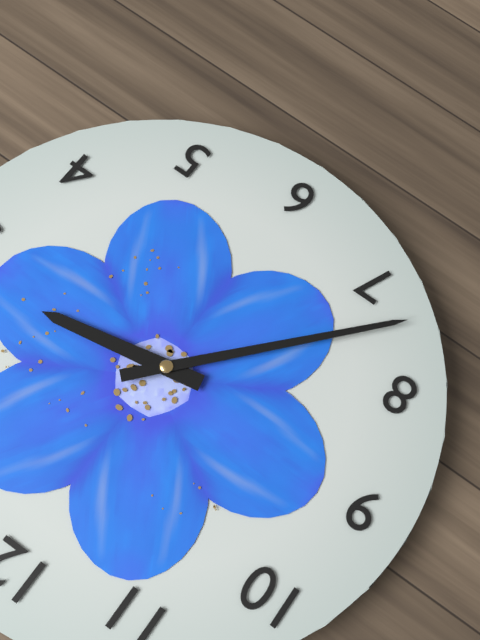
2:37
